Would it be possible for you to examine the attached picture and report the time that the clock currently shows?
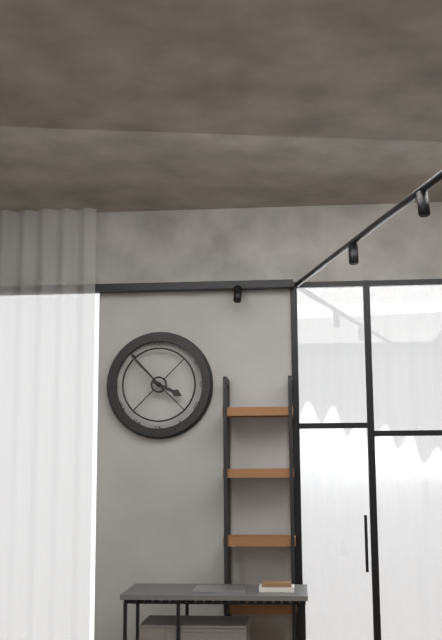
3:53
